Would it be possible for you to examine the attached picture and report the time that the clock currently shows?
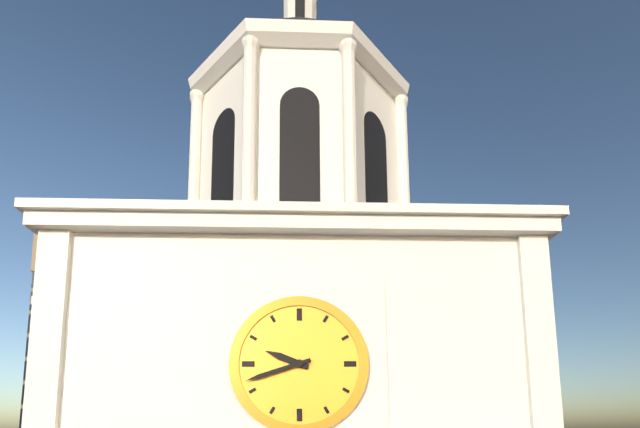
9:42
